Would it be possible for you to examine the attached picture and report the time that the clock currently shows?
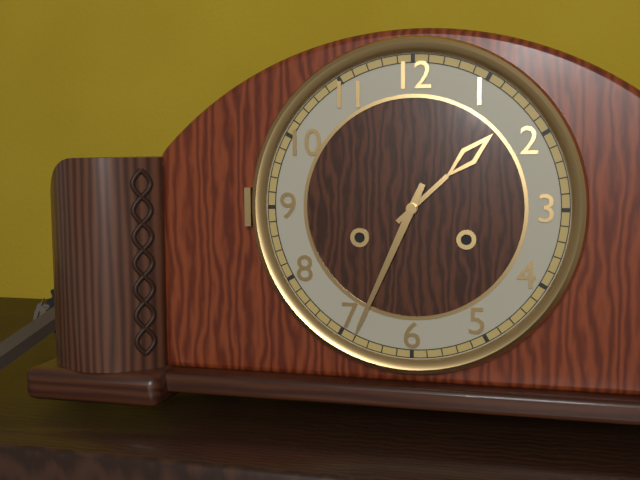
1:34
